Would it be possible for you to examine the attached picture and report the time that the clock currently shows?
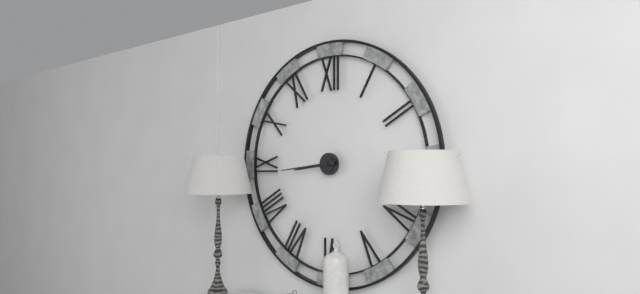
8:44
